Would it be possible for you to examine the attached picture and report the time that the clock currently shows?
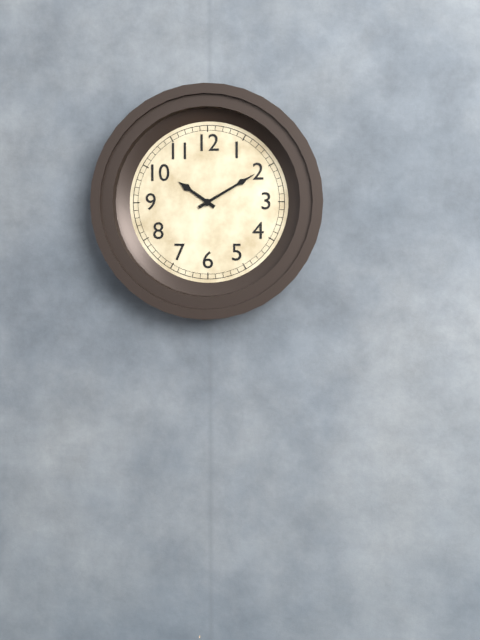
10:10
